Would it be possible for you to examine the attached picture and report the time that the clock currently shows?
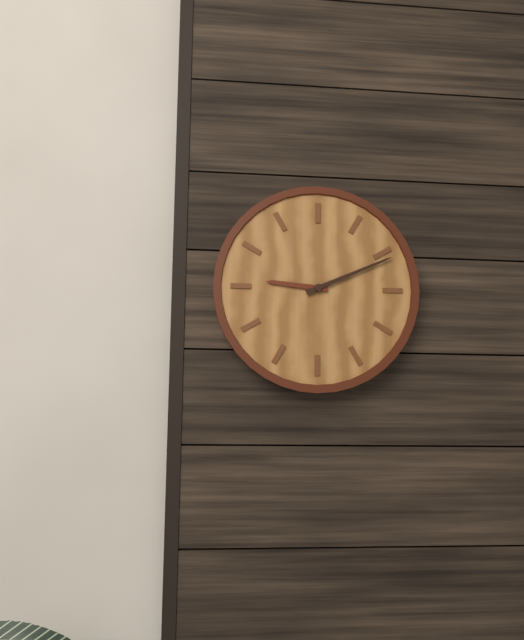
9:11
